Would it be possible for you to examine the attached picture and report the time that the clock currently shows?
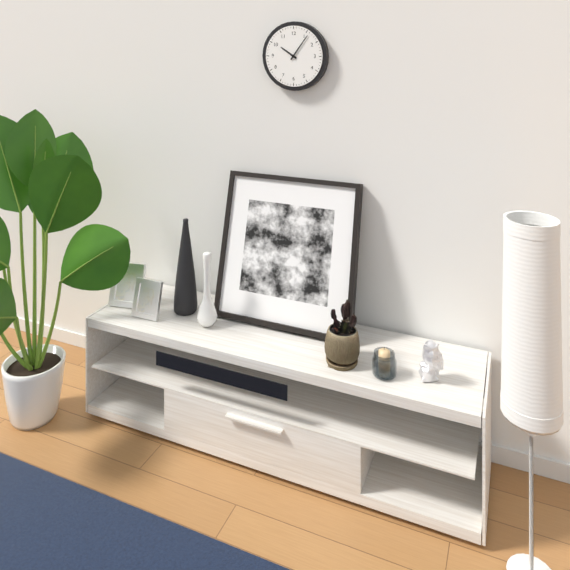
10:06
